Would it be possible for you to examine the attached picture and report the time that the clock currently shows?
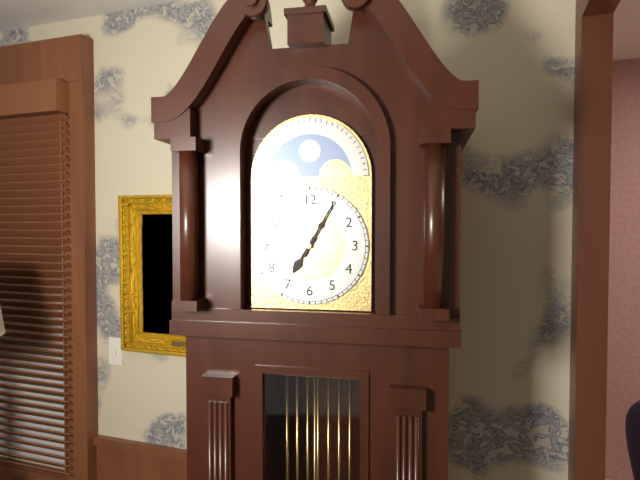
7:05
